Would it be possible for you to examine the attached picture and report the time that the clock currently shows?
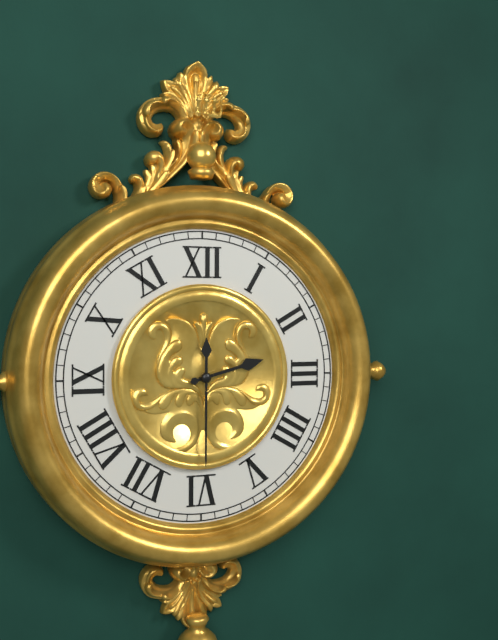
2:30
